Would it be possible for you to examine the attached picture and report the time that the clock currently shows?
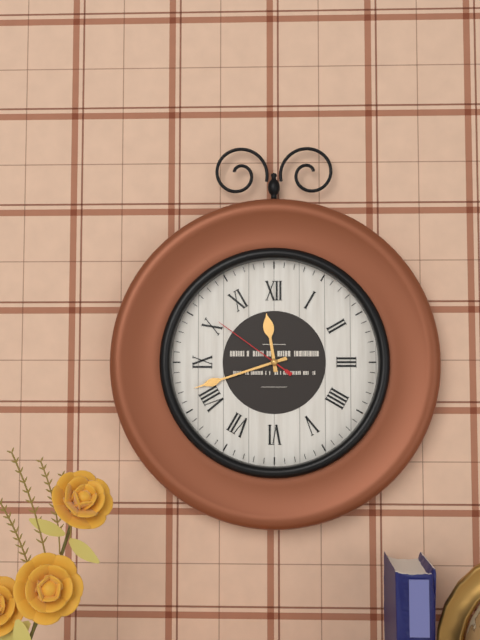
11:42:51
